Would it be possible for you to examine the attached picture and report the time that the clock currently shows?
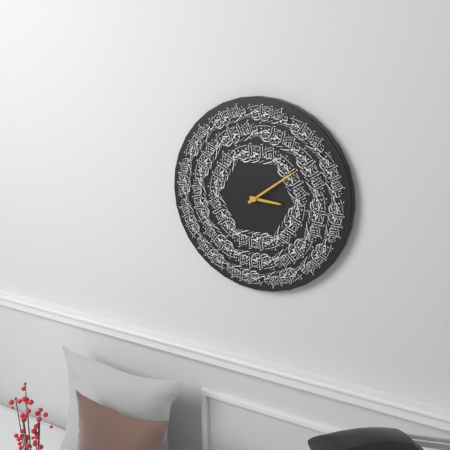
3:09
